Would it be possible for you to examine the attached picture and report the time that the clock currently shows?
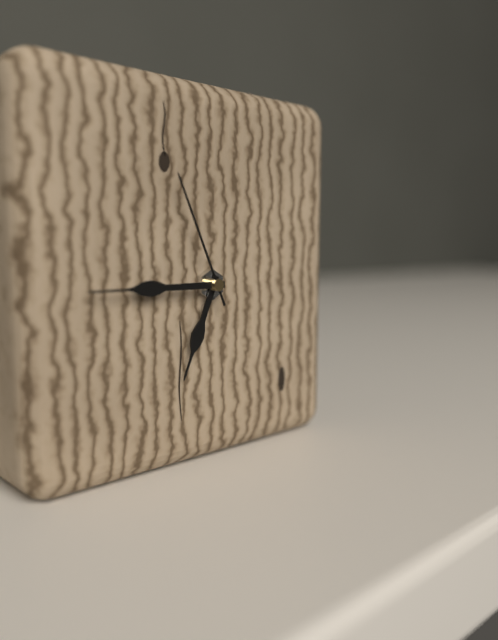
6:45:56
